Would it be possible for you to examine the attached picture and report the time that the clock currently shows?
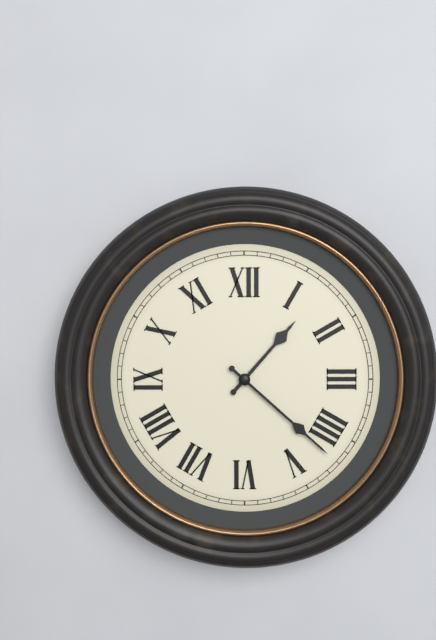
1:22
